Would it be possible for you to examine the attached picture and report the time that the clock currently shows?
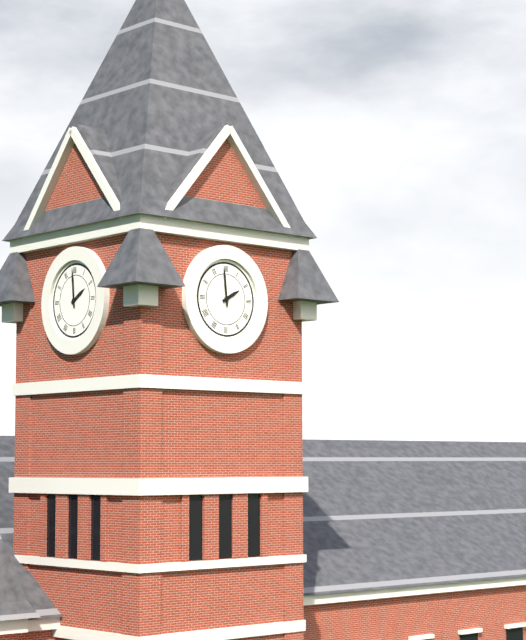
1:59
